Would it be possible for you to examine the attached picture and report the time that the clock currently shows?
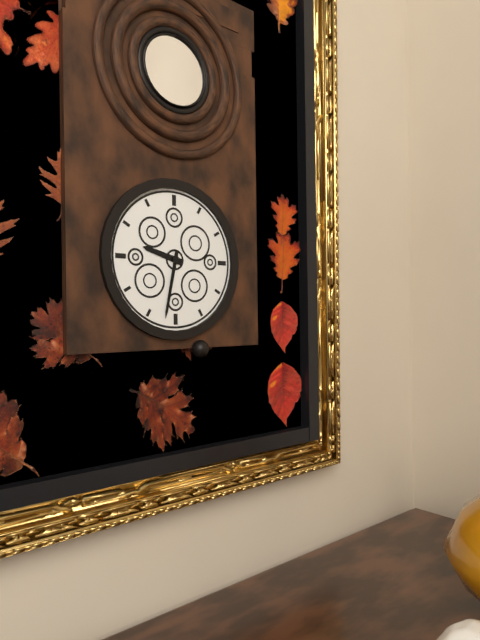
9:32
